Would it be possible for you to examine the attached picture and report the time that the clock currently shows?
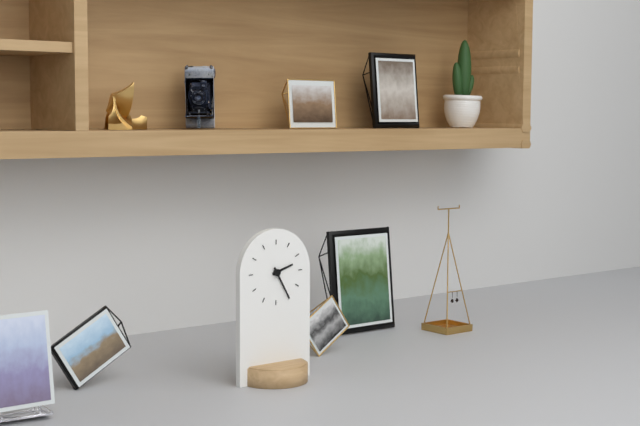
2:25
